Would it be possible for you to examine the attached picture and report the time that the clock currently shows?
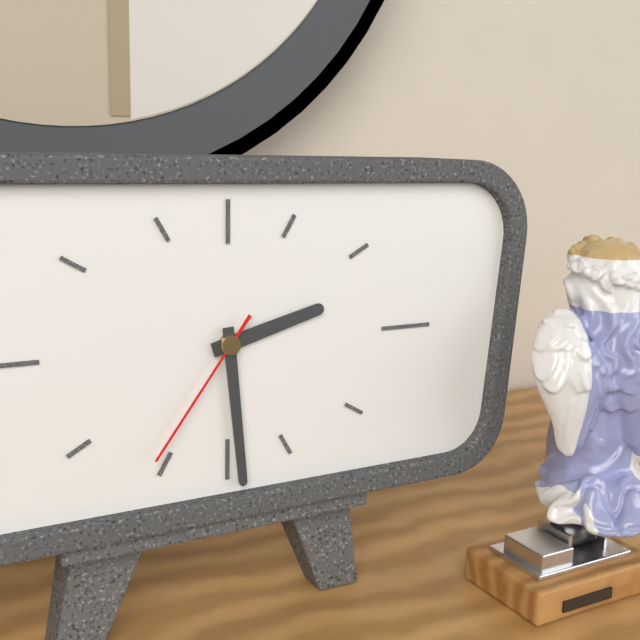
2:29:36
